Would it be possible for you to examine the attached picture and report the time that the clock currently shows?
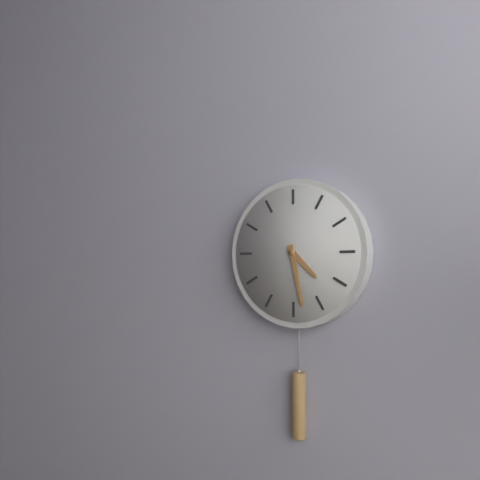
4:28
